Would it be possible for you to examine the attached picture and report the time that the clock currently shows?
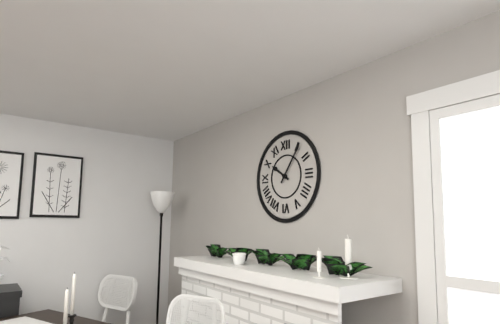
10:06
